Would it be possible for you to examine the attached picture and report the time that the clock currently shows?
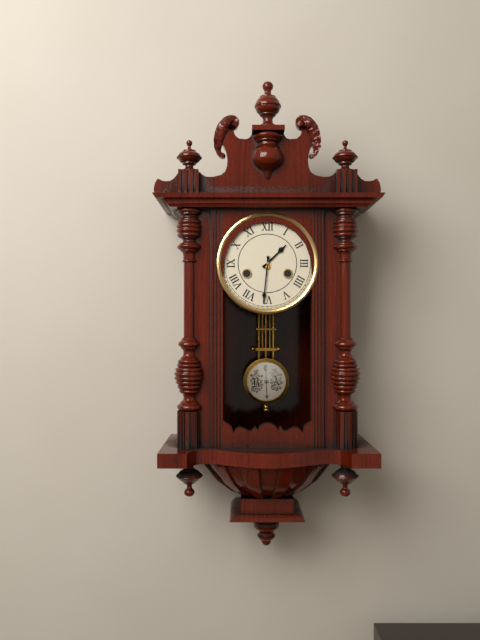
1:31
